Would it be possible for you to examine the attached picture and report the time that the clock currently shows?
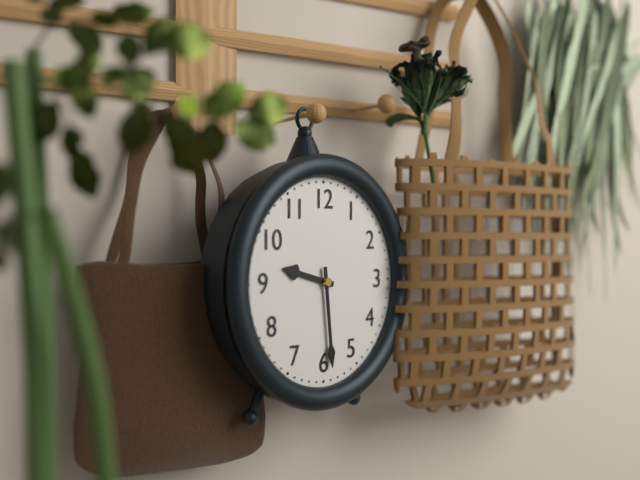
9:29
